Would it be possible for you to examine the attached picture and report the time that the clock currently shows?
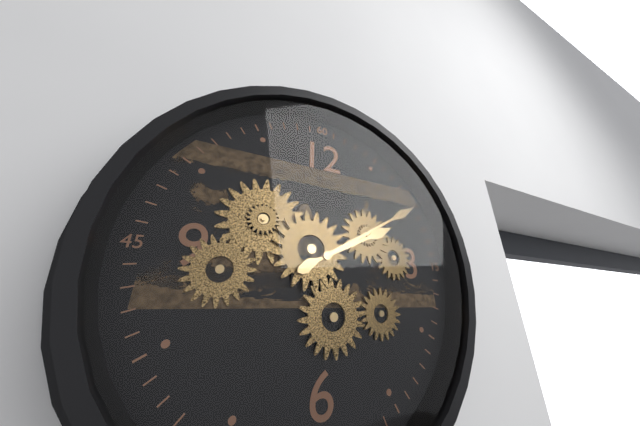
2:10
